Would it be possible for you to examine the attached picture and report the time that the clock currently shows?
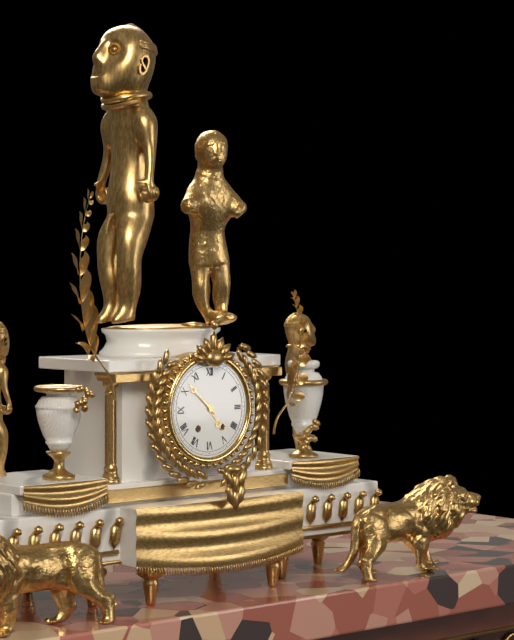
4:52
